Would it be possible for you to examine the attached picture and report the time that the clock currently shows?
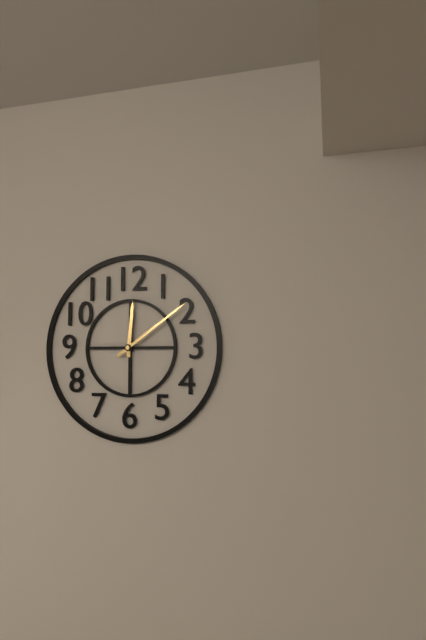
12:09
